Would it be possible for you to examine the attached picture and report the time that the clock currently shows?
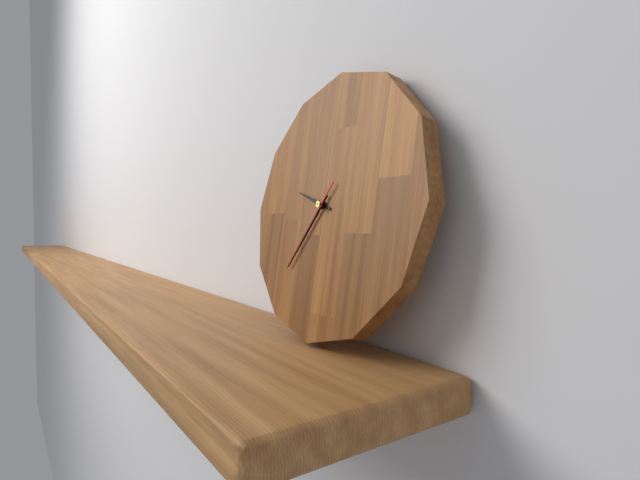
9:36:36
